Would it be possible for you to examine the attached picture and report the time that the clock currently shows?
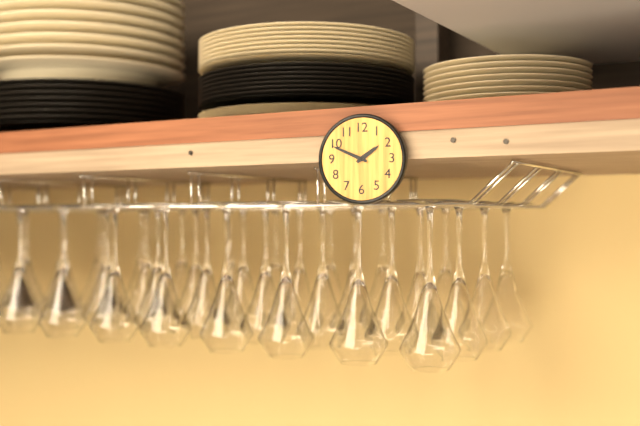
1:49
